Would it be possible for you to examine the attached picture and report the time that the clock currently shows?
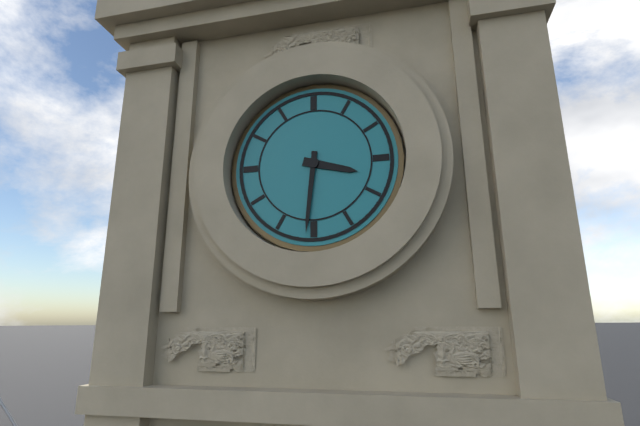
3:31
